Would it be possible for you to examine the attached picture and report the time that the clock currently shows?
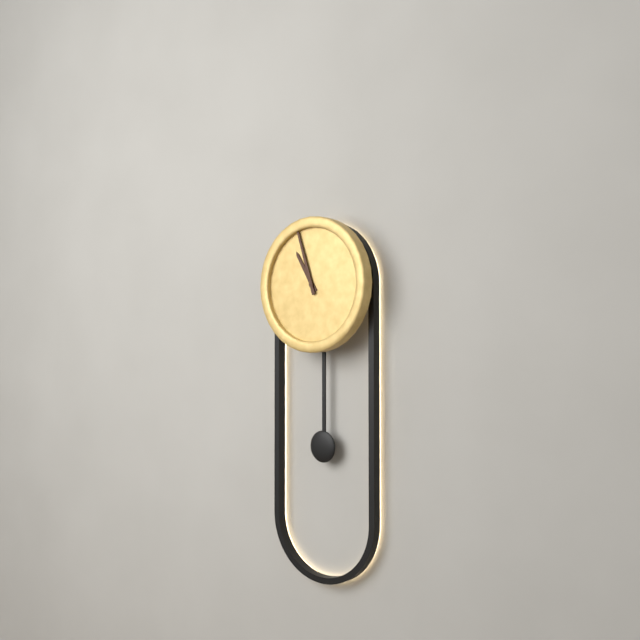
10:57
